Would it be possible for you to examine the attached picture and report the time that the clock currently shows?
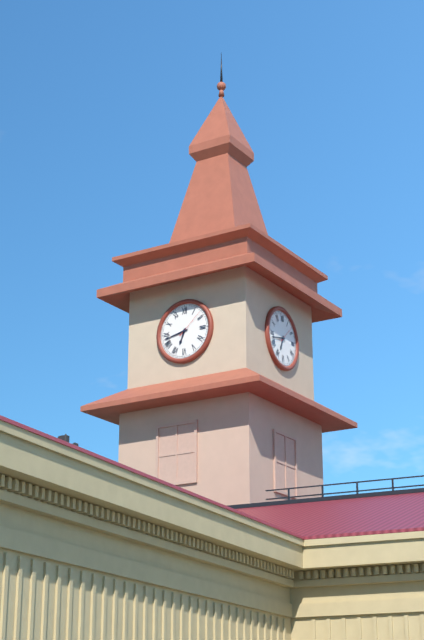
6:43
